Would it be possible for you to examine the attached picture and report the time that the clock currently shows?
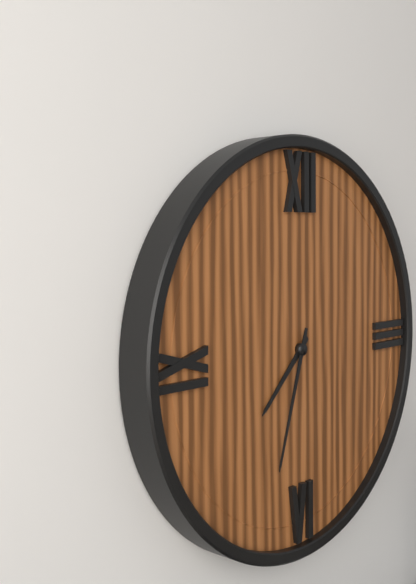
7:33
